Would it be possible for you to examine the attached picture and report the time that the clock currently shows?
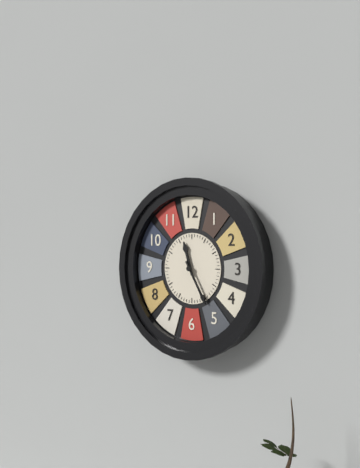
11:25
